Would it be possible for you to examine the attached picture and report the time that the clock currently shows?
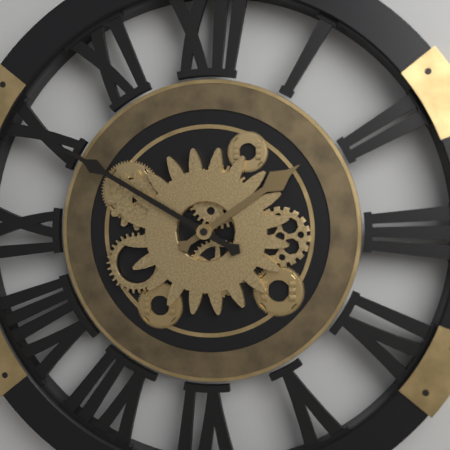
1:50
